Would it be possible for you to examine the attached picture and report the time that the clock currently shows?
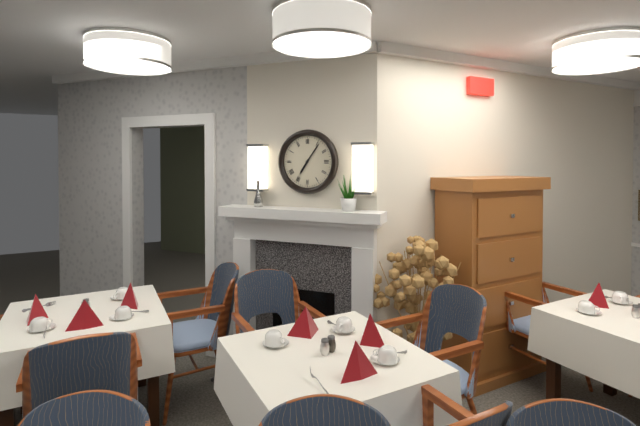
7:06
